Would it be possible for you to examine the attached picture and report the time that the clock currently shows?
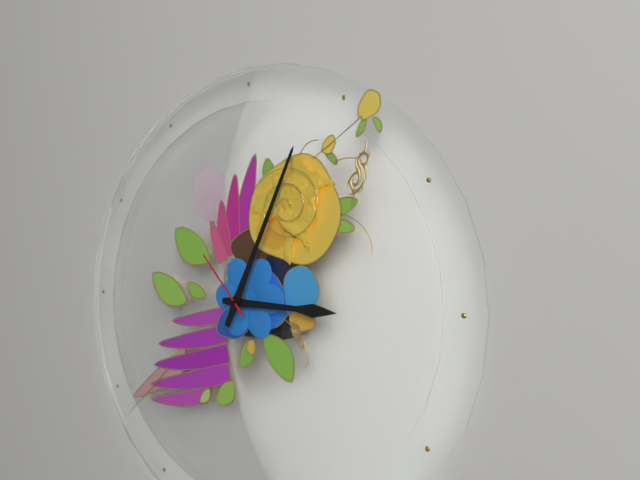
3:04:53
